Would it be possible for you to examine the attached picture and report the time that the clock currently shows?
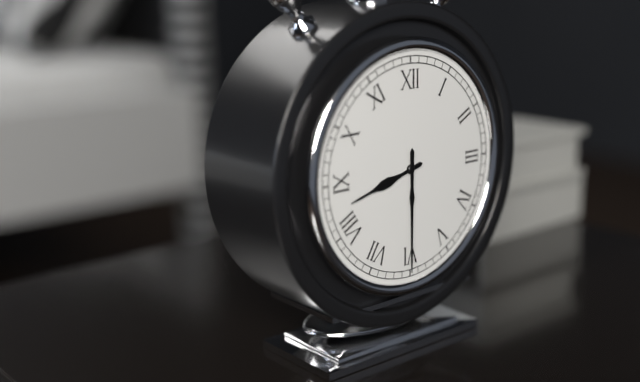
8:30
